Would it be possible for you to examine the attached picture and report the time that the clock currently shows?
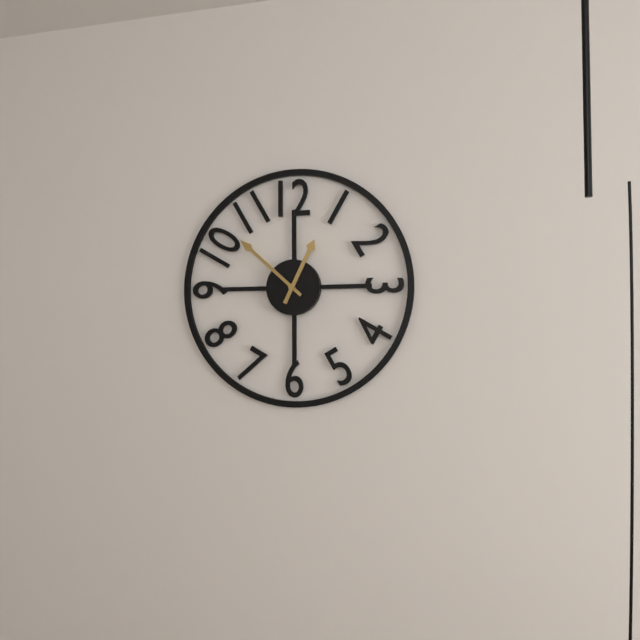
12:52
